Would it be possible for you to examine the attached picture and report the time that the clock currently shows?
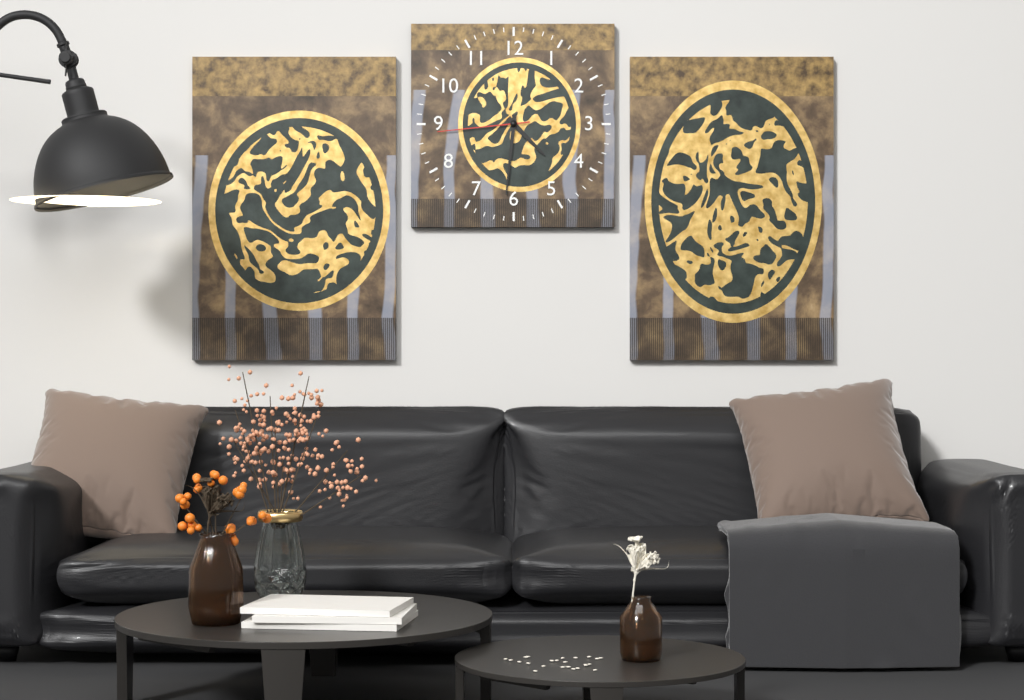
4:31:44
